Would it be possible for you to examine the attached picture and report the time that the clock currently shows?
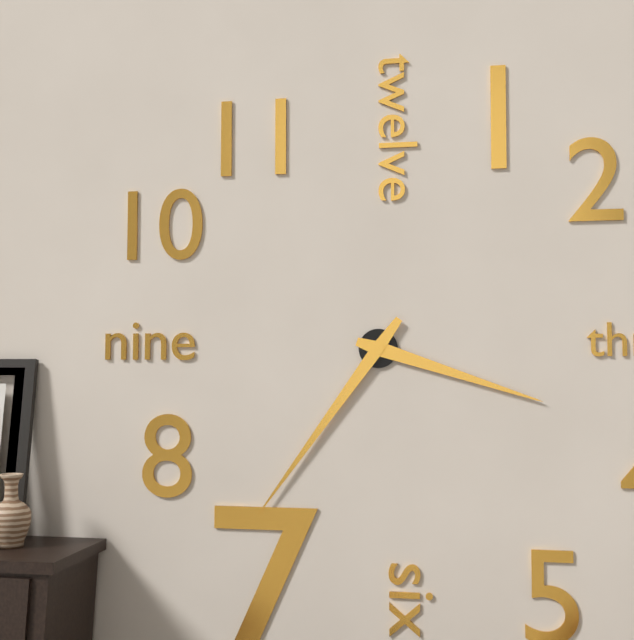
3:36
